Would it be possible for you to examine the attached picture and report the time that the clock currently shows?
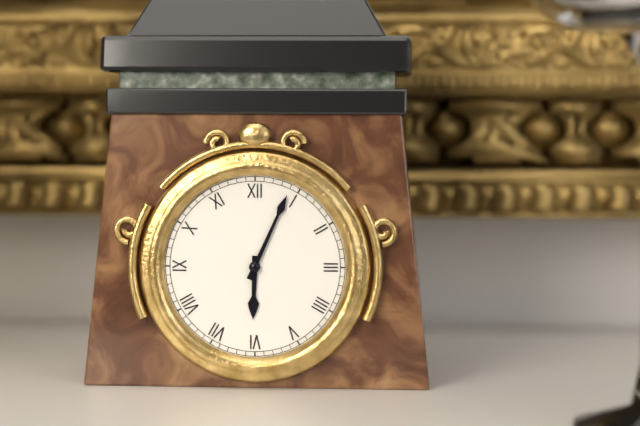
6:04
